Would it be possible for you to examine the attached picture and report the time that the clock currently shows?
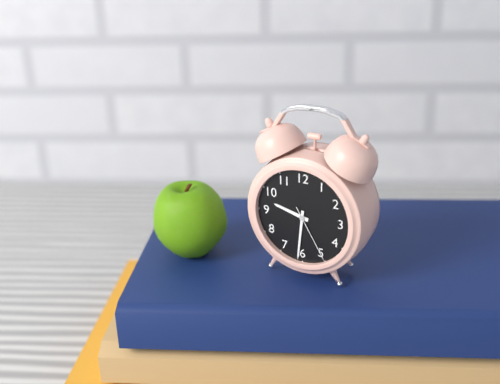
9:31:25
